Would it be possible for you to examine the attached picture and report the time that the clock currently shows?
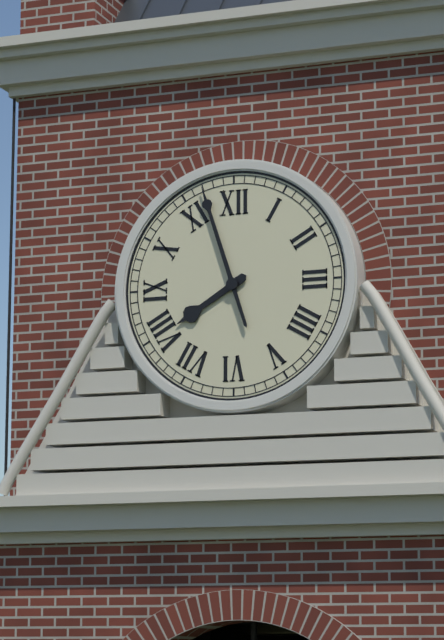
7:57
